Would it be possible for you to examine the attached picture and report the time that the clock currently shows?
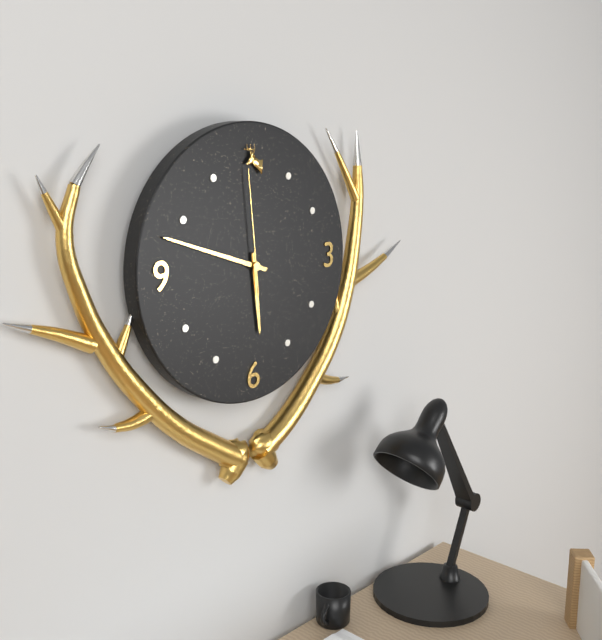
5:48:59
